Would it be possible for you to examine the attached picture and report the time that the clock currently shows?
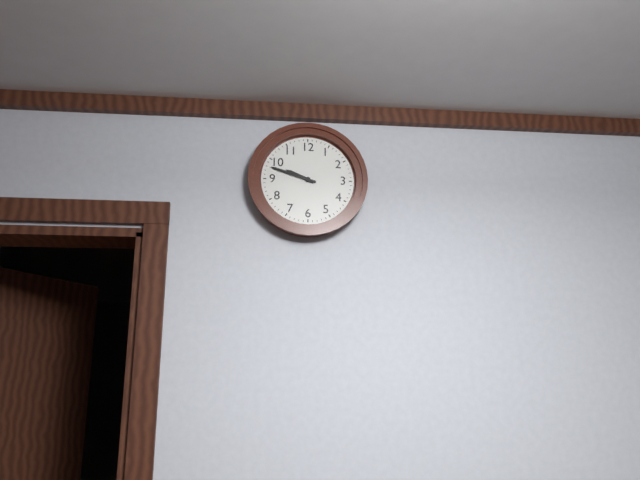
9:48
